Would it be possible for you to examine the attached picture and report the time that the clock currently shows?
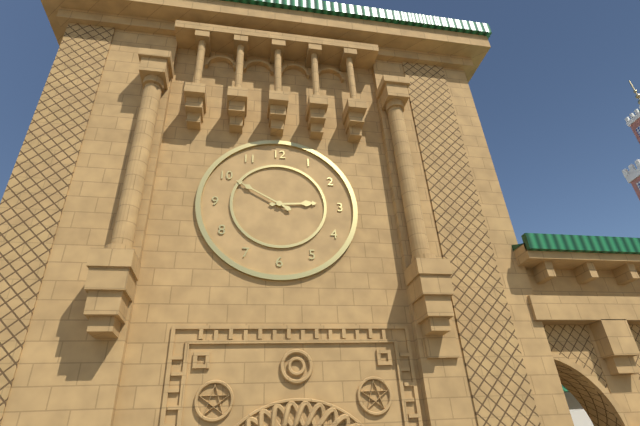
2:50
